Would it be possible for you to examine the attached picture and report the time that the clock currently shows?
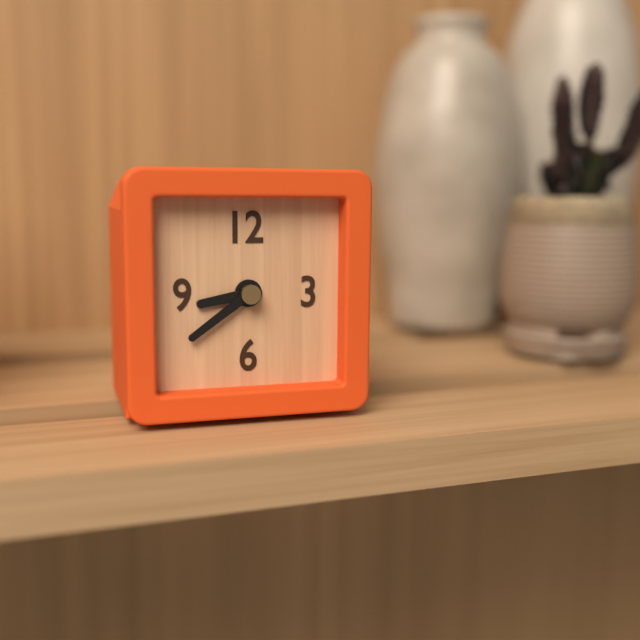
8:39
